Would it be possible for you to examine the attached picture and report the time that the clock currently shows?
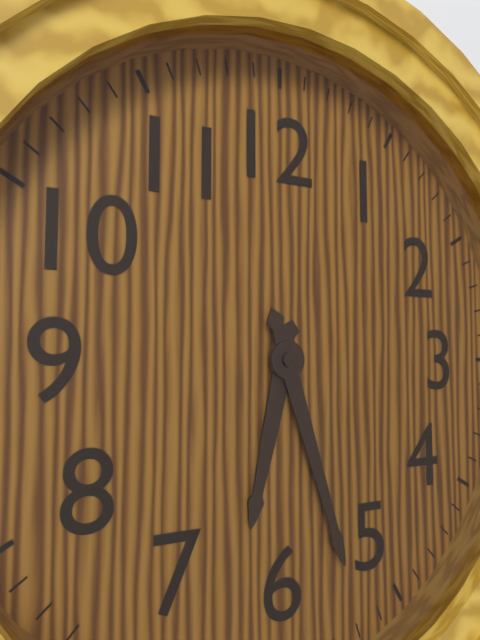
6:27
